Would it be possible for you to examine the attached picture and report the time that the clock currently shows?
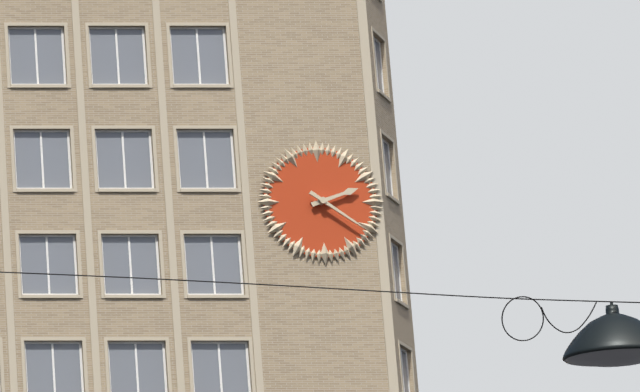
2:21
